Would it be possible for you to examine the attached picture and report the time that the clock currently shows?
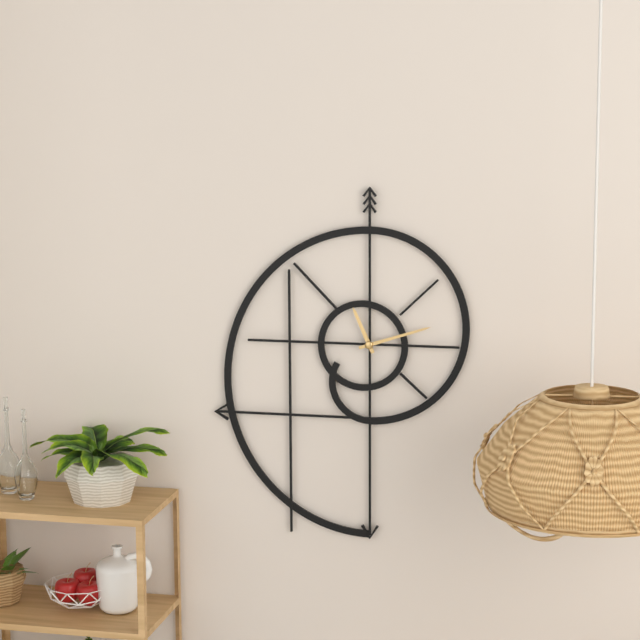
11:12
